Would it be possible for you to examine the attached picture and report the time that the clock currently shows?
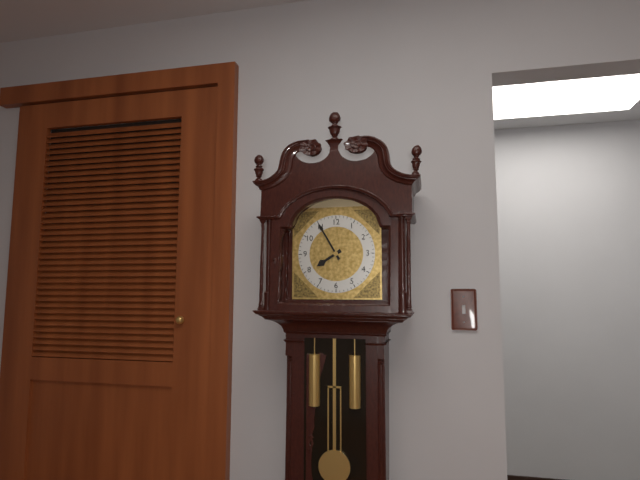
7:55
